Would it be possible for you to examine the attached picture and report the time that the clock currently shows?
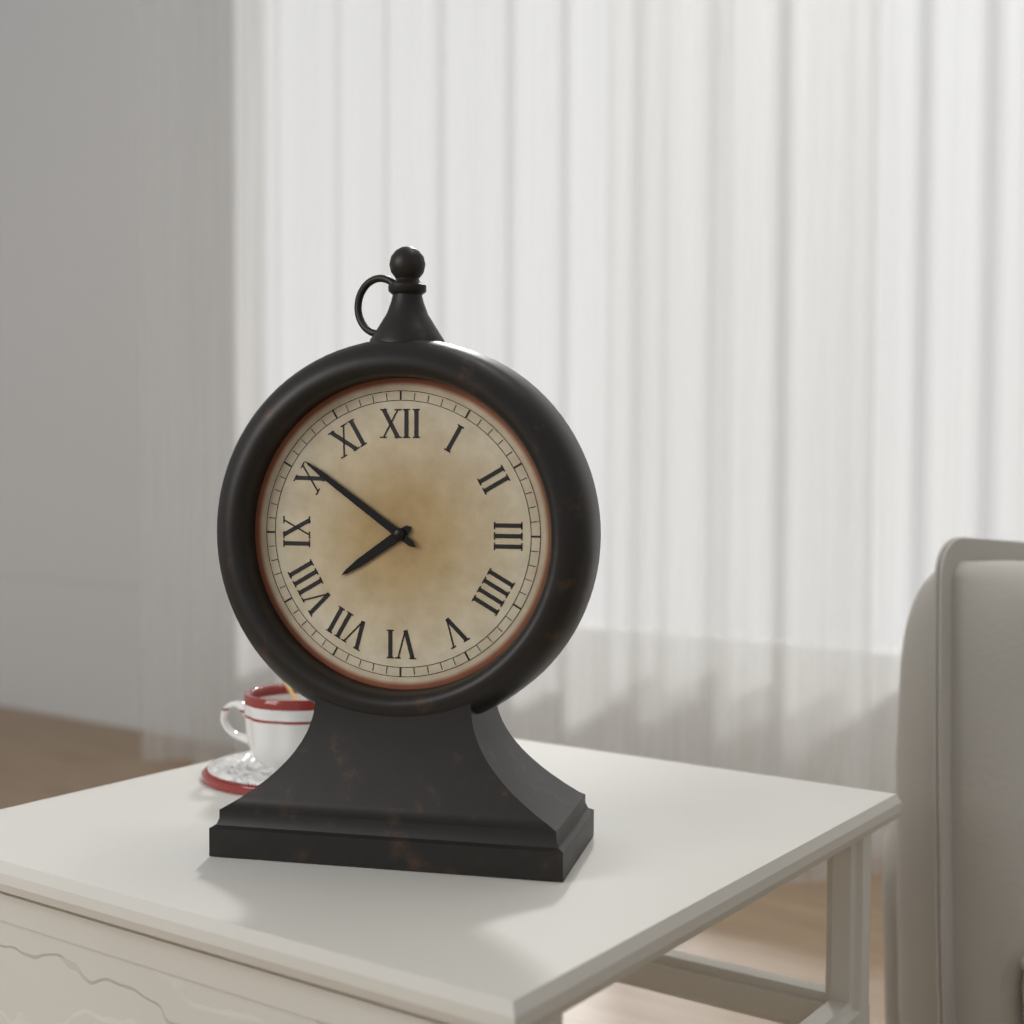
7:51
